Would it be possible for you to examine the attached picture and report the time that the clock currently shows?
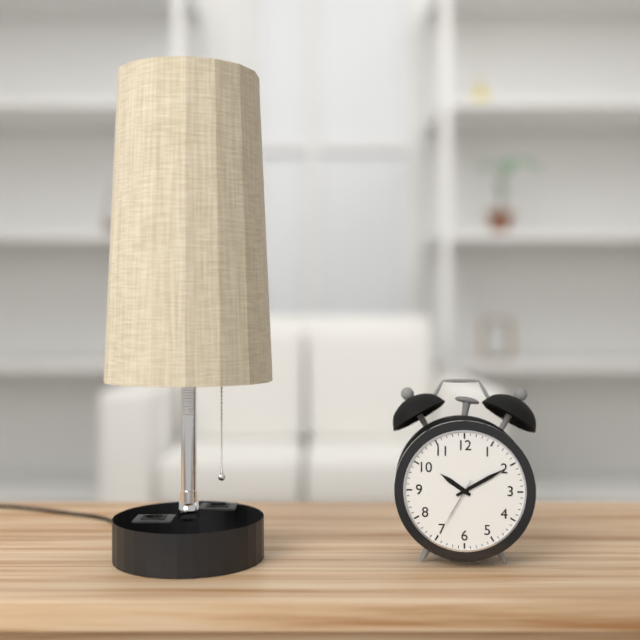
10:10:35
